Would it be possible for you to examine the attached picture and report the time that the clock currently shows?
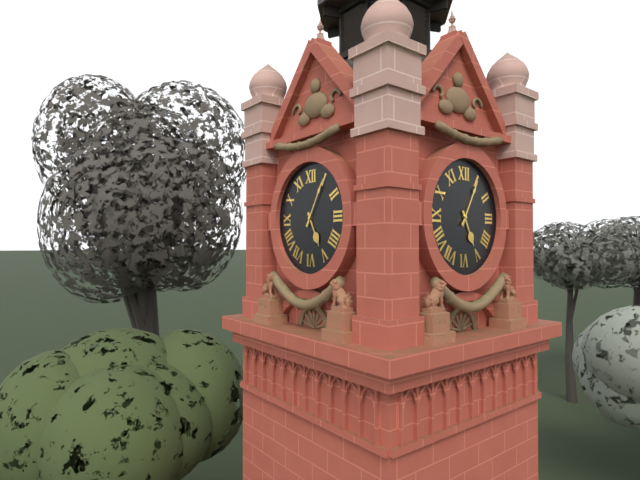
5:05
